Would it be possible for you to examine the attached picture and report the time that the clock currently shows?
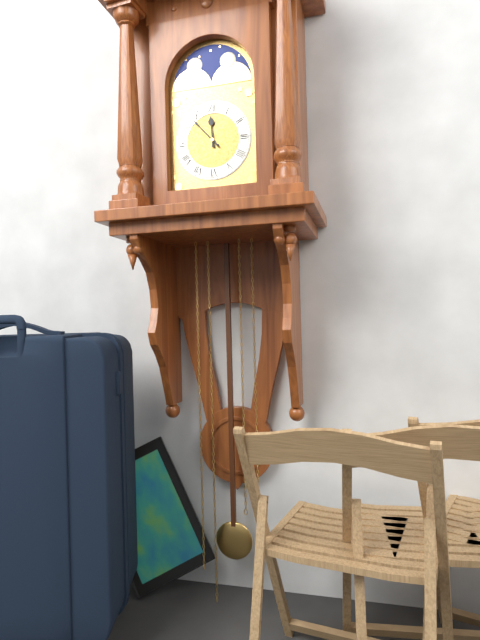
11:53
